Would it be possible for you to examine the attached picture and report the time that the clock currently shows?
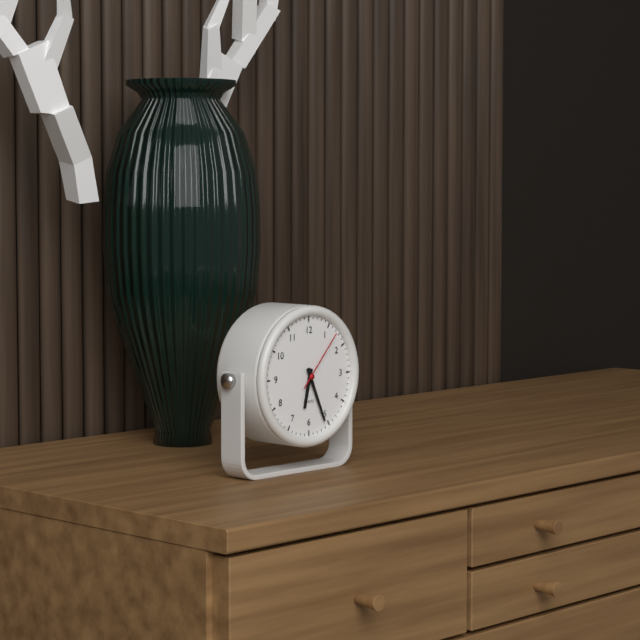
6:26:07
